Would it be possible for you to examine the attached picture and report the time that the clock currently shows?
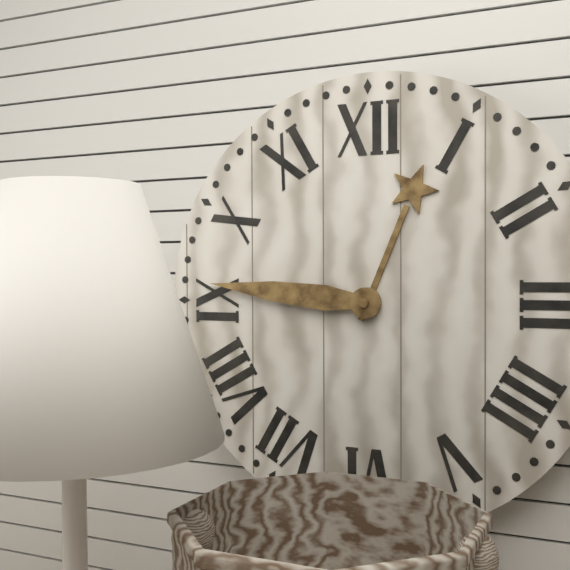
12:46
